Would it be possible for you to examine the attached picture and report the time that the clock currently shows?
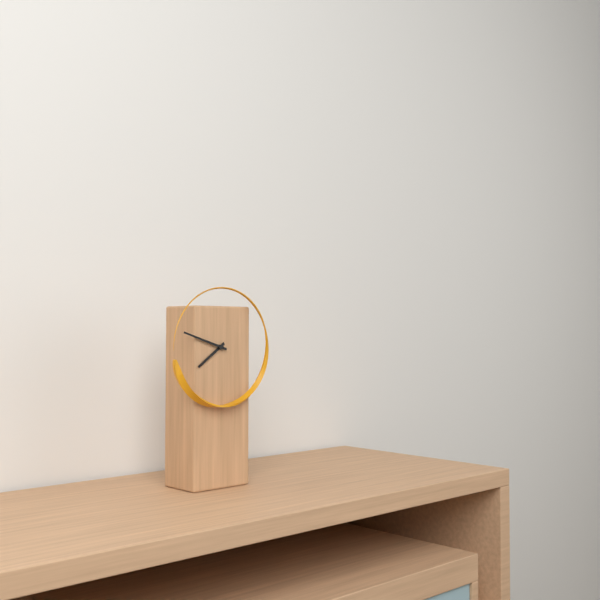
7:48
